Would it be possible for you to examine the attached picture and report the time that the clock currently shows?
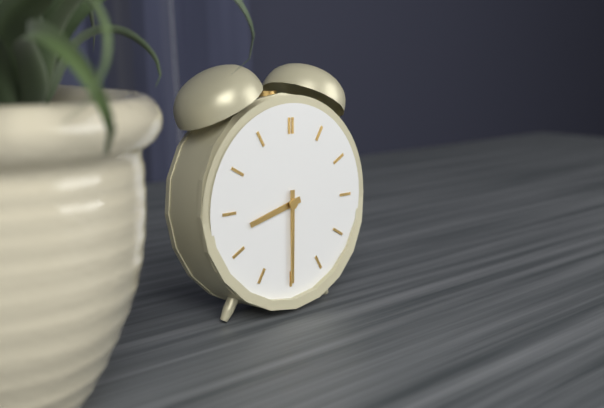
8:30
